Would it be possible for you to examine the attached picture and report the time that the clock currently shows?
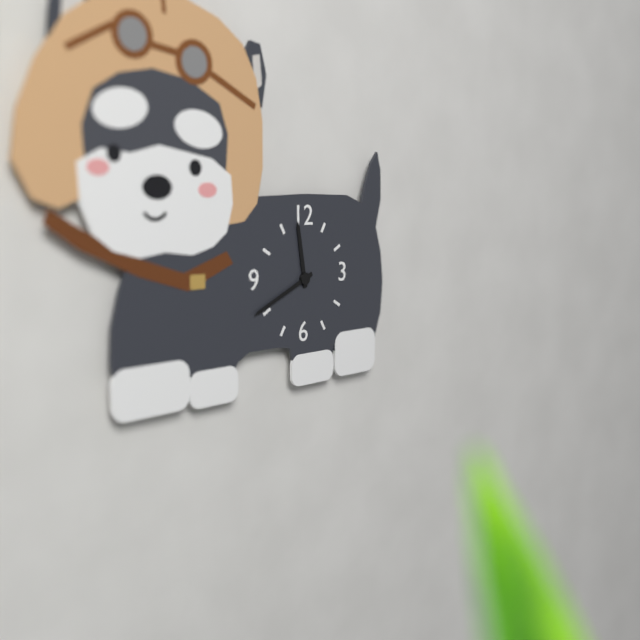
11:41
